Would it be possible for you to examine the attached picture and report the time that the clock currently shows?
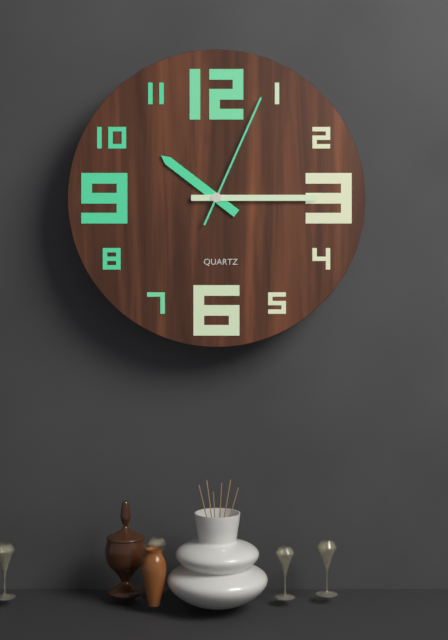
10:15:04
